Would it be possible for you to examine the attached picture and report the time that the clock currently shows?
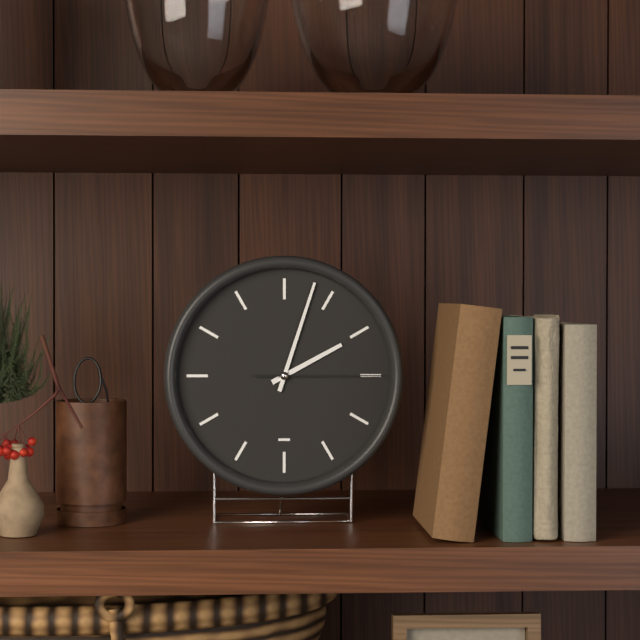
2:03:15
